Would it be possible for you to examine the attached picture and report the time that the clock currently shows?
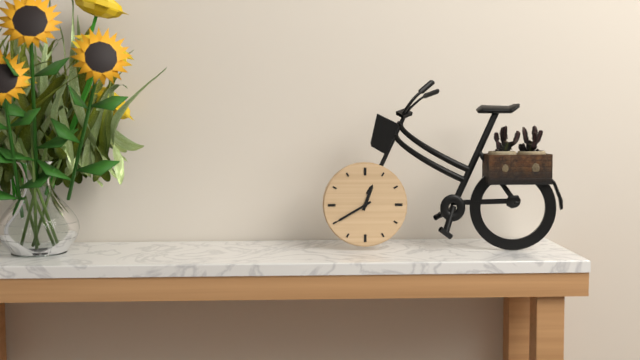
12:40
